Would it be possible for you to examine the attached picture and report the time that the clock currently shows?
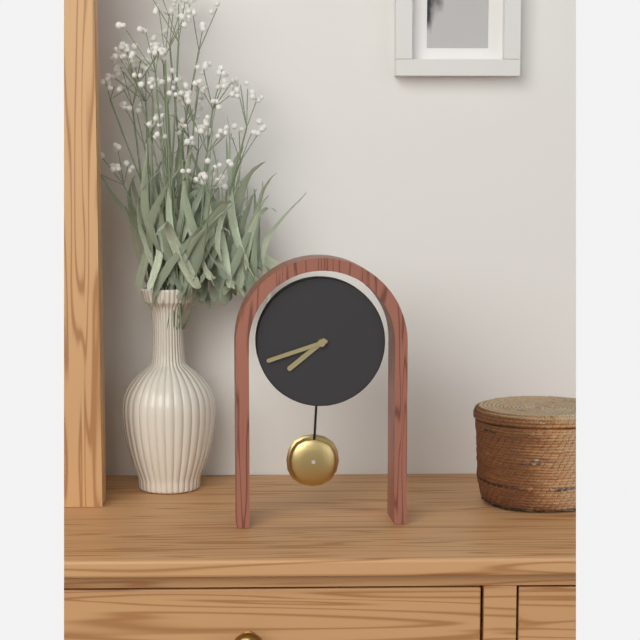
7:42
